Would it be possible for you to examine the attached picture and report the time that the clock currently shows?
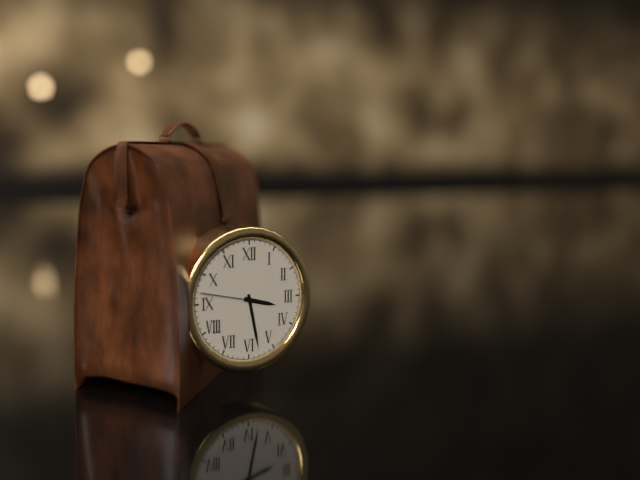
3:28:47
